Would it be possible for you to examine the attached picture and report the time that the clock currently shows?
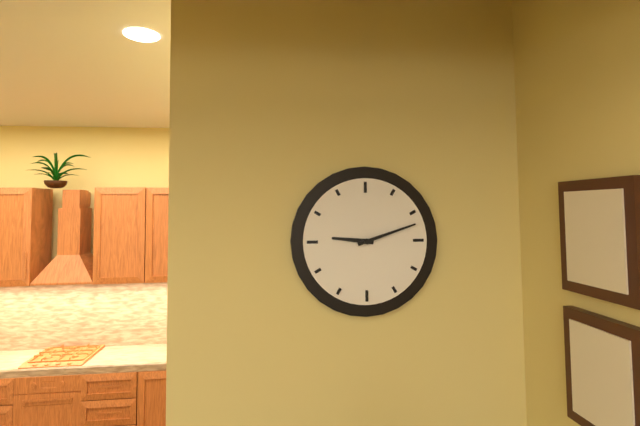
9:12
